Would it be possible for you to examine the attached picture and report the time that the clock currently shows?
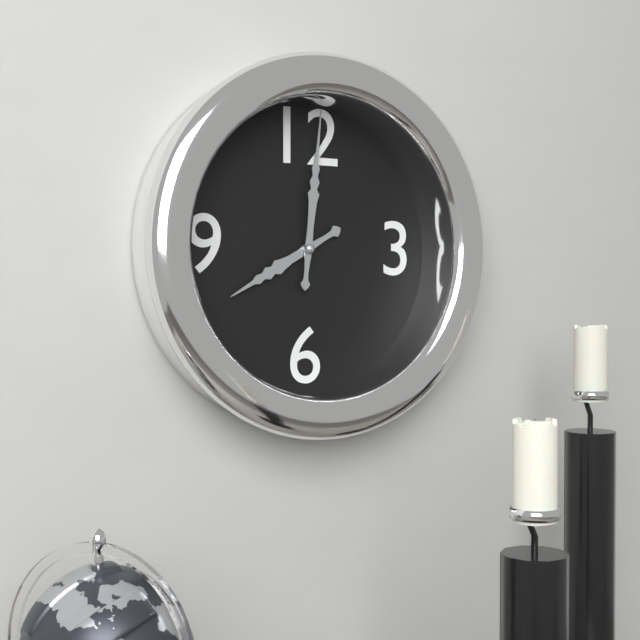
8:01
